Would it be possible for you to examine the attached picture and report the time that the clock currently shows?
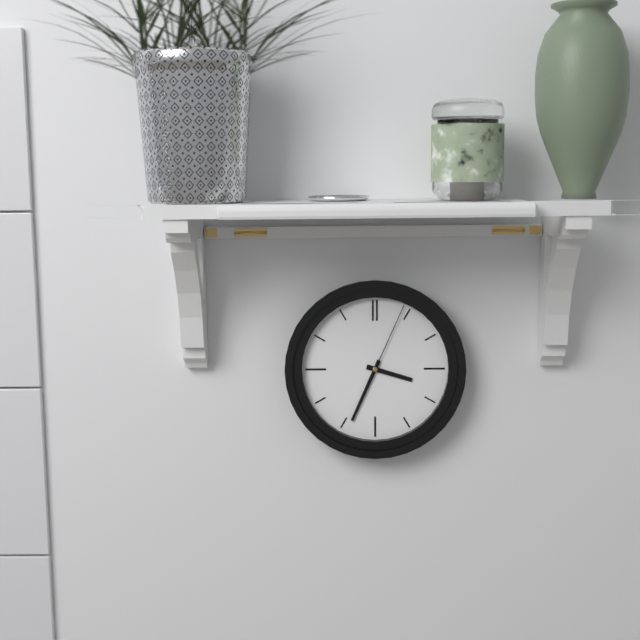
3:34:04
